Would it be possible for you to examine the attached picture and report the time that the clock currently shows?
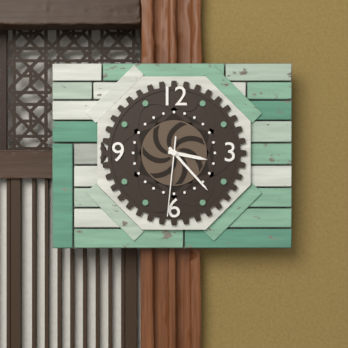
3:23:31
